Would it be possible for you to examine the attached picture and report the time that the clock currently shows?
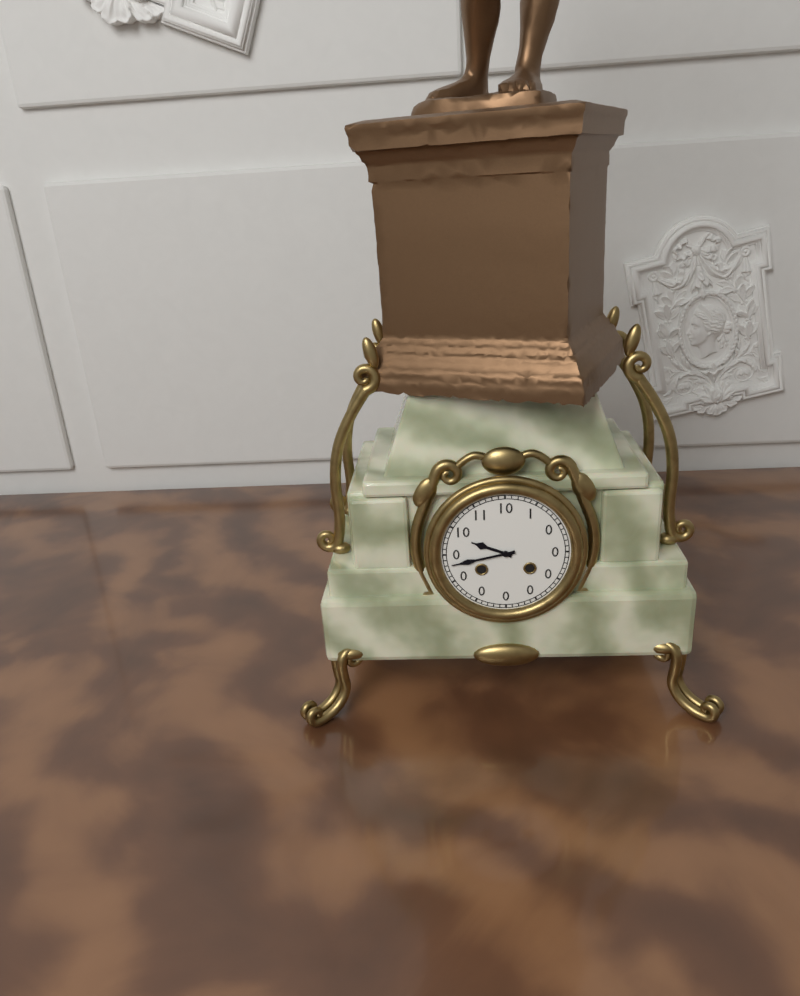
9:43
